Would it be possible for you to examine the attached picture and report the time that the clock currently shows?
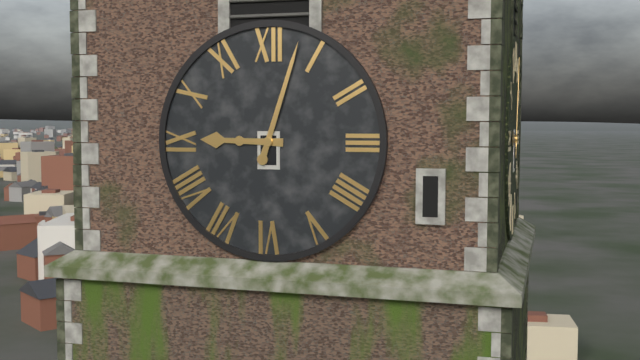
9:03
